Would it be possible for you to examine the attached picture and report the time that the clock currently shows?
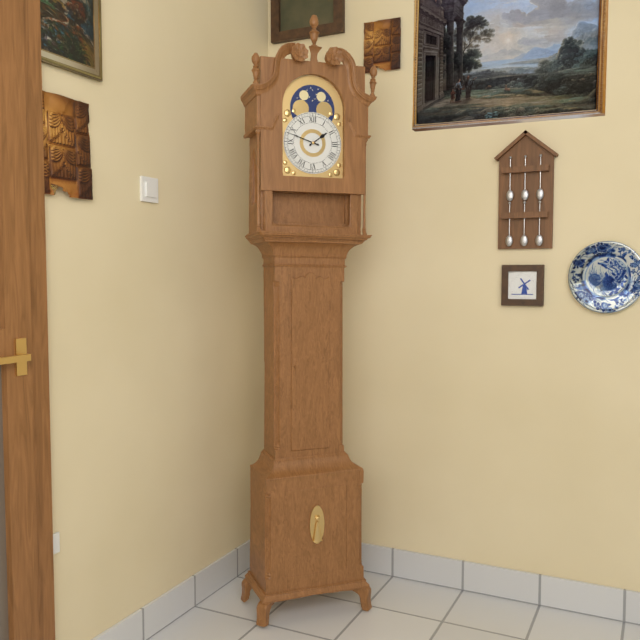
1:48
